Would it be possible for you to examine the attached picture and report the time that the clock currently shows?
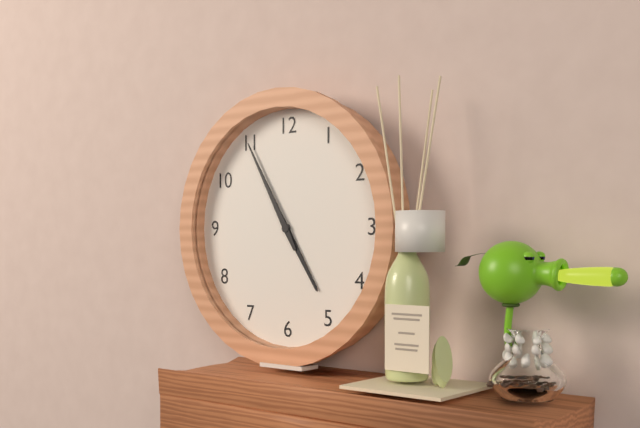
4:55
